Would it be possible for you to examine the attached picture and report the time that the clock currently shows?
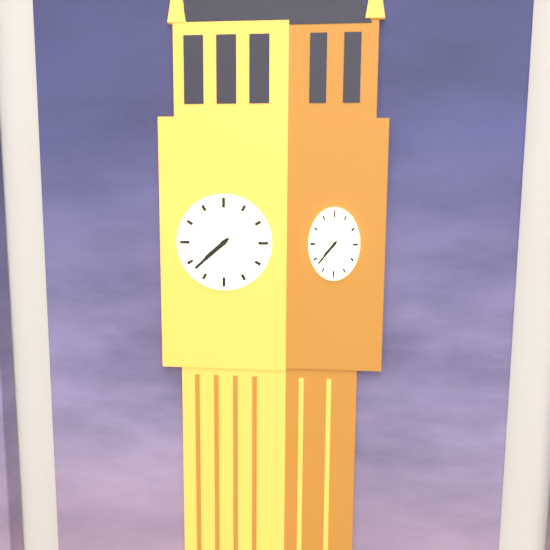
7:38
